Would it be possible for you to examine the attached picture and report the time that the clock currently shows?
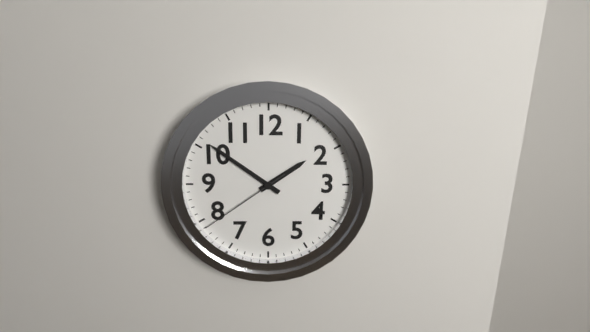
1:51:39
